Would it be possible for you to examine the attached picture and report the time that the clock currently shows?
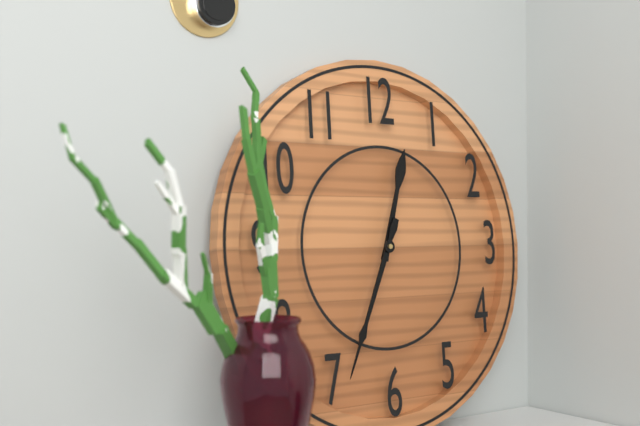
12:34
